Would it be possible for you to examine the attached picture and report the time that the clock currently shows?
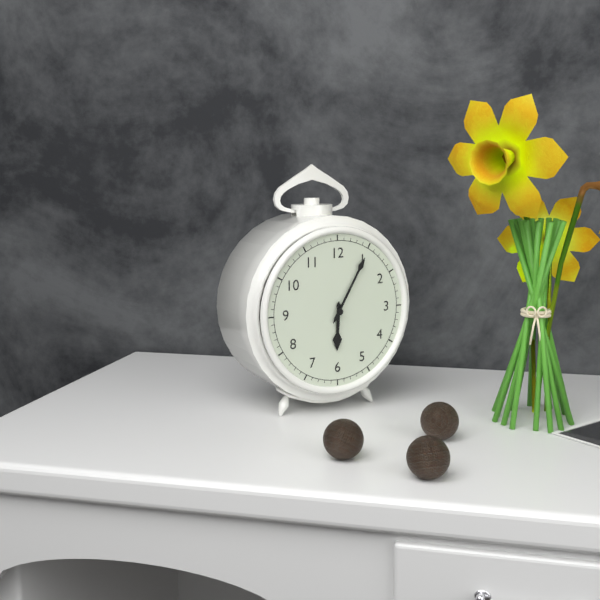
6:05
